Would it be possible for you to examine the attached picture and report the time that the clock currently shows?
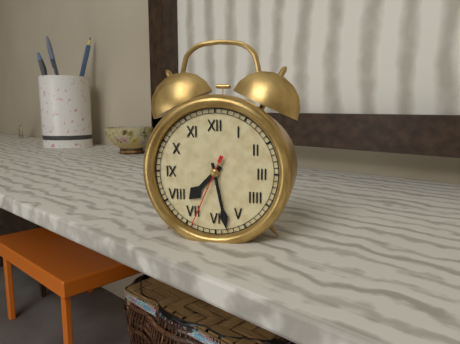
7:28:34
